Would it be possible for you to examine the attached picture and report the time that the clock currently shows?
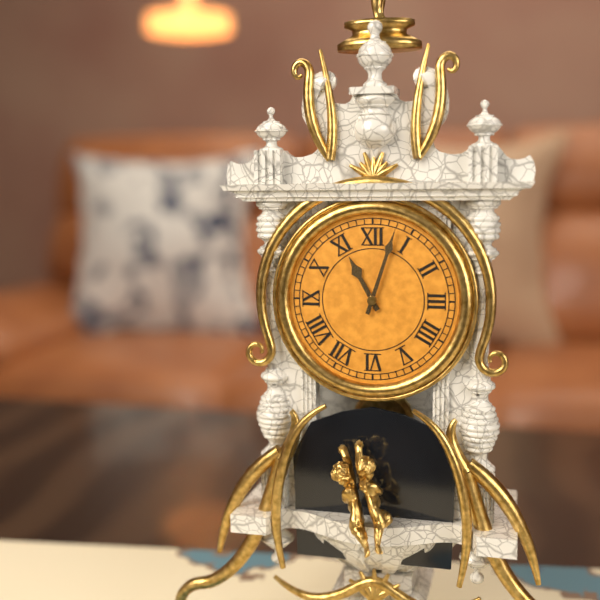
11:03
